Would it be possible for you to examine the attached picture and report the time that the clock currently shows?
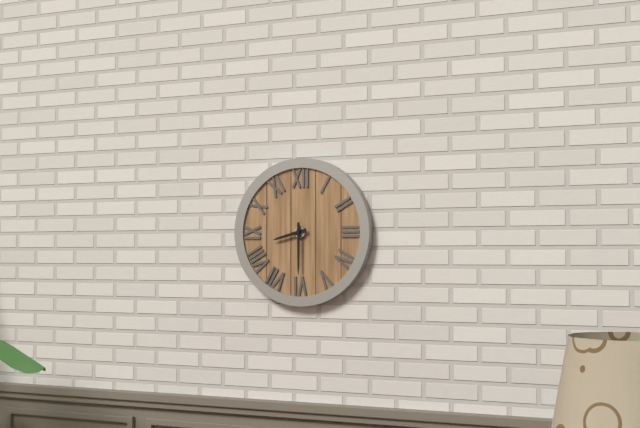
8:30
